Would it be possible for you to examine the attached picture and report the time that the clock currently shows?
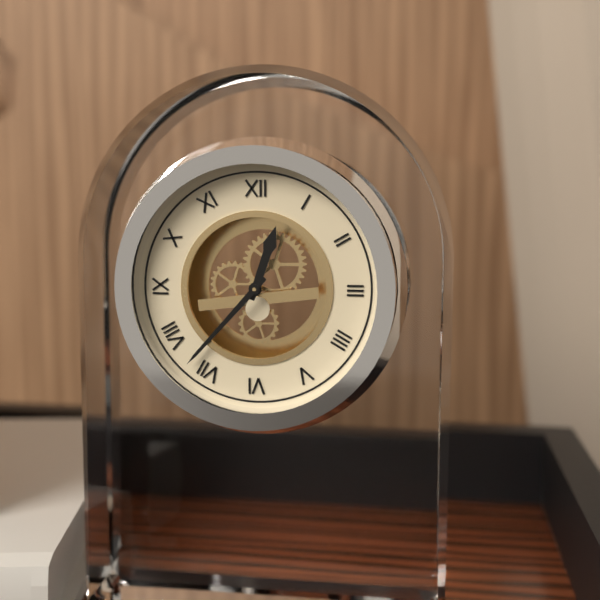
12:37
